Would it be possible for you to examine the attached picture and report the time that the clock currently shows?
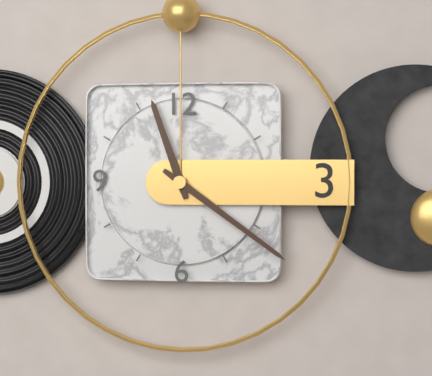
11:21
